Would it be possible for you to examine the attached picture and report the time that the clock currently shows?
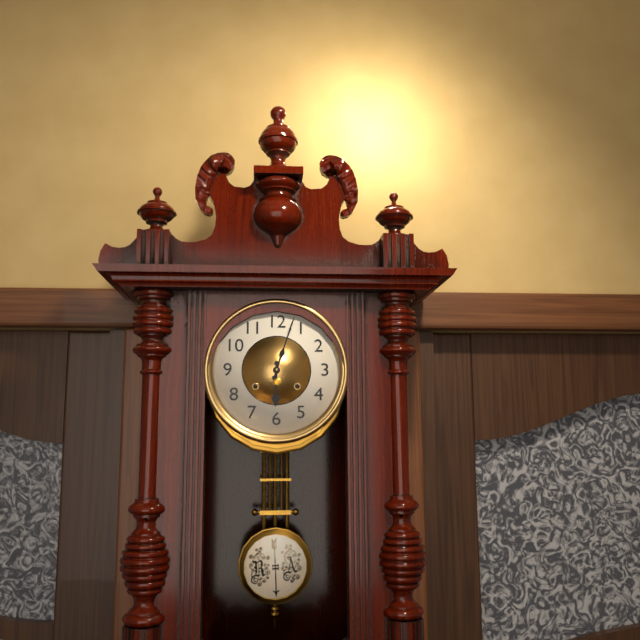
6:03
